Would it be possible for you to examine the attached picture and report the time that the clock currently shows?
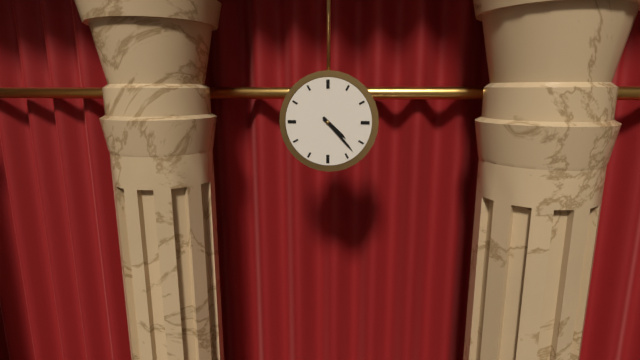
4:23
